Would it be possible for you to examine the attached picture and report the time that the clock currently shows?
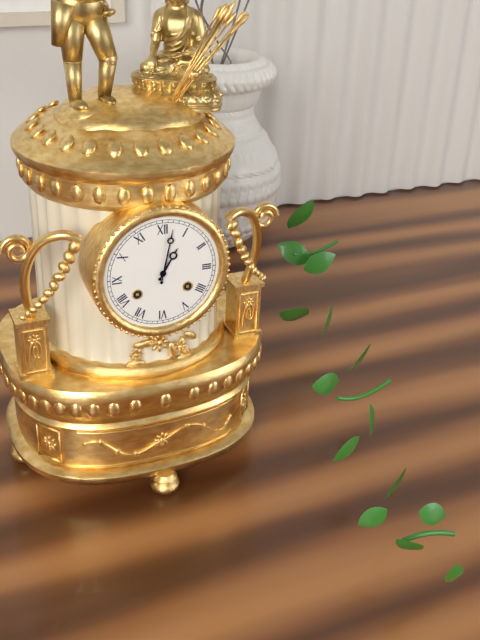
1:02
